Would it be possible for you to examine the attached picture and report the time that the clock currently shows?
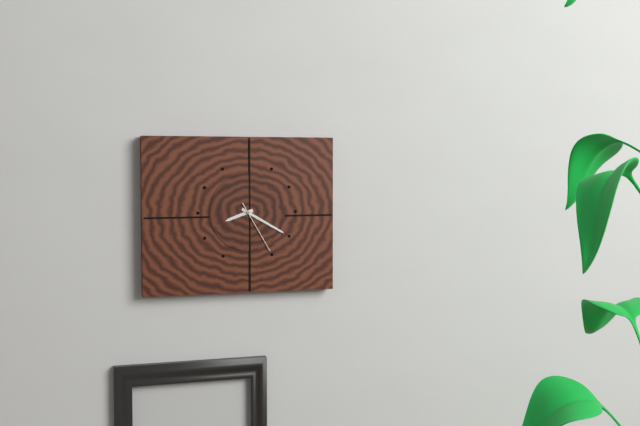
8:20:25
